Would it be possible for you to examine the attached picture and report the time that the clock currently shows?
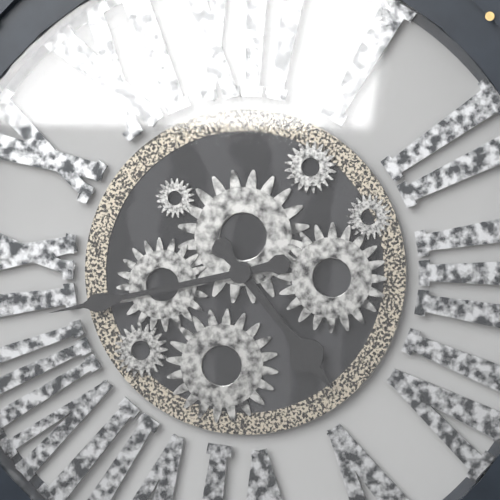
4:43
